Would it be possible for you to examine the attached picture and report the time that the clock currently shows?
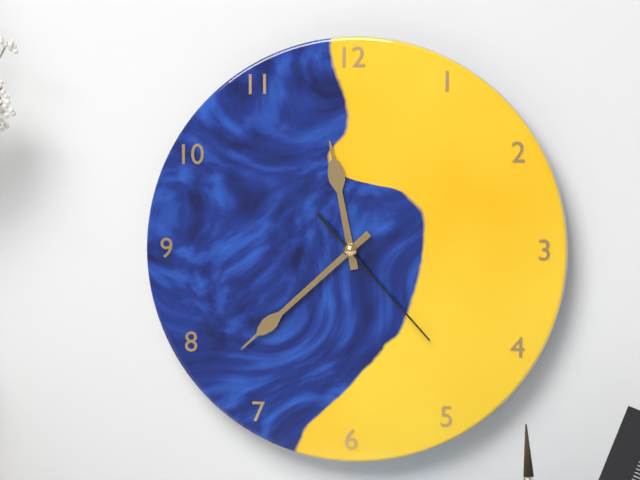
11:38:23
